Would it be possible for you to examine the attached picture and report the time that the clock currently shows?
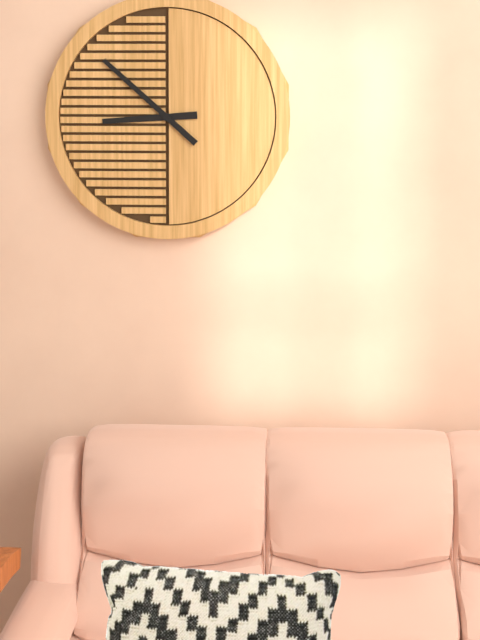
8:52
